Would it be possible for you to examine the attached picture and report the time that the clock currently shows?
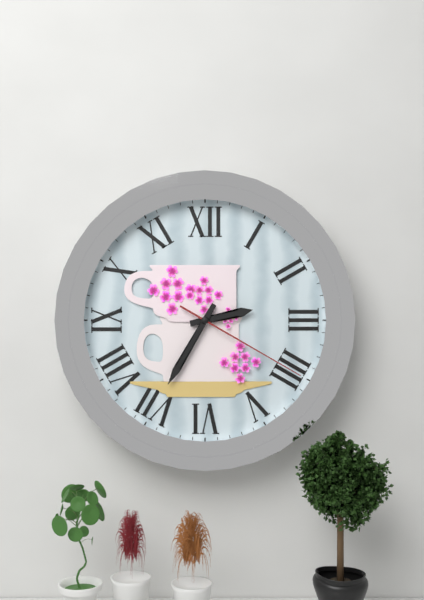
2:35:20
